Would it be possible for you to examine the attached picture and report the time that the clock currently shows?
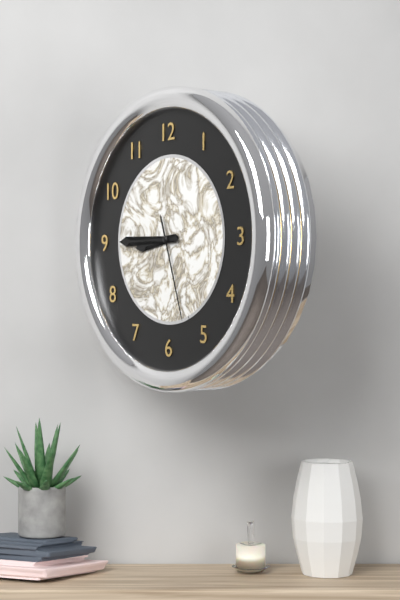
8:45:27
